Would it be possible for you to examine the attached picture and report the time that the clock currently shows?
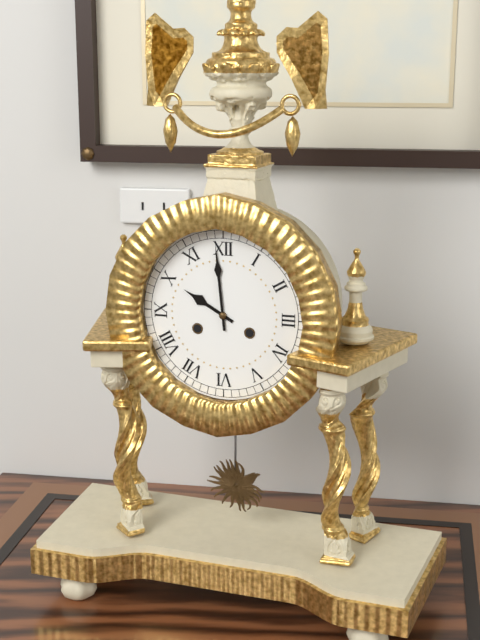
9:59
